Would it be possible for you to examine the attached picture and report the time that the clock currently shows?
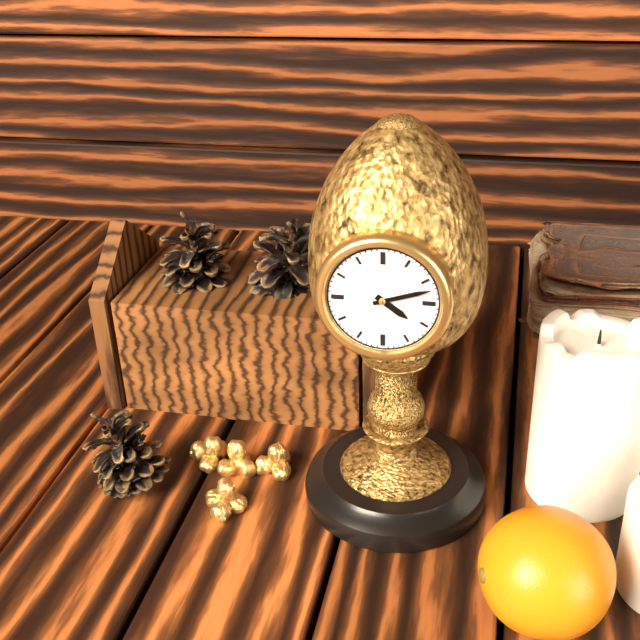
4:12
